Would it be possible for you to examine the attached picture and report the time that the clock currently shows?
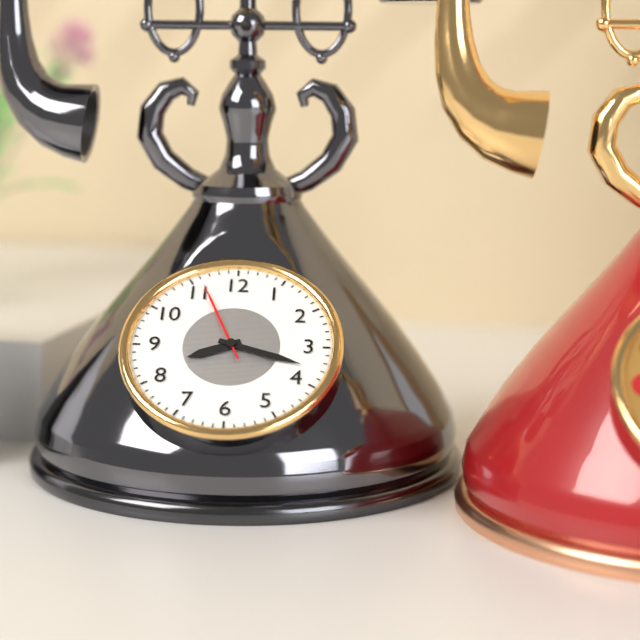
8:18:56
